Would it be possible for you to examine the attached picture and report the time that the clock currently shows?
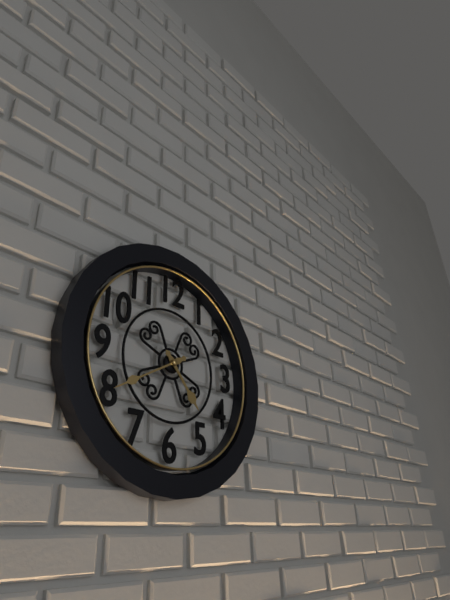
4:40
